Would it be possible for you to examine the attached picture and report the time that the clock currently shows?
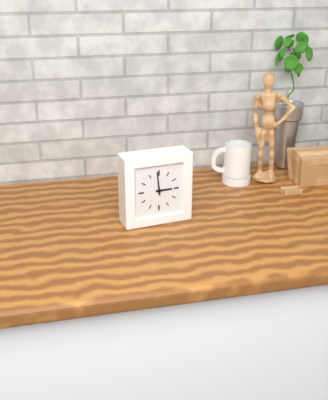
2:59
